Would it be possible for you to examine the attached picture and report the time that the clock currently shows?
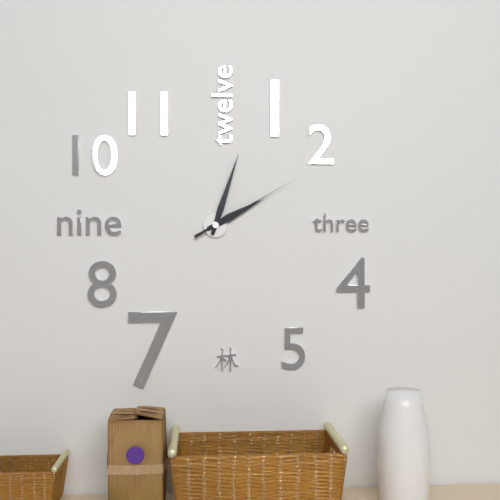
2:03:10
